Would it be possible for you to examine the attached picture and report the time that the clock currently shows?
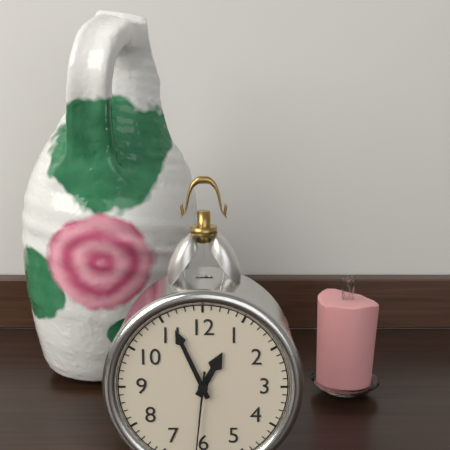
12:56
